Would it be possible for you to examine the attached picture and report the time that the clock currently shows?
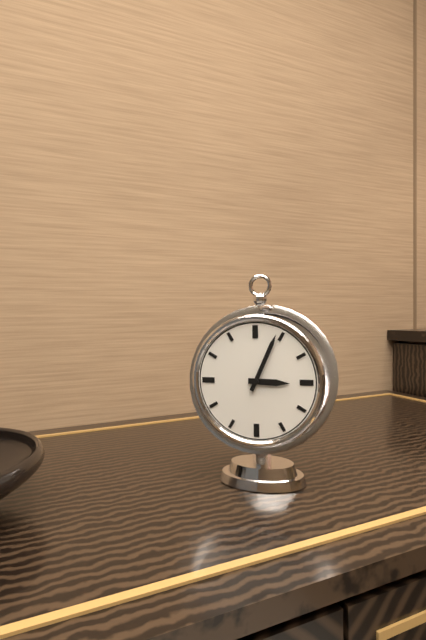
3:04
